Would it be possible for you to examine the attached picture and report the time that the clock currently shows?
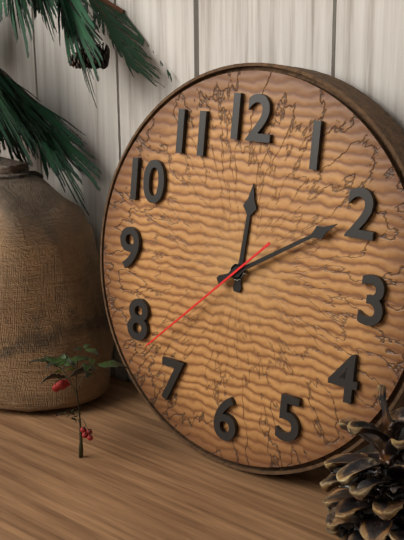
12:10:38
